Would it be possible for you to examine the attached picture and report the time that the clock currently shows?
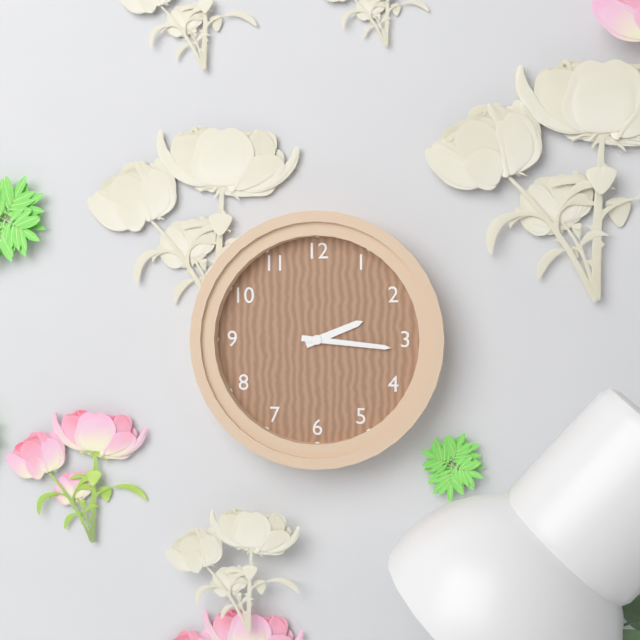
2:16
